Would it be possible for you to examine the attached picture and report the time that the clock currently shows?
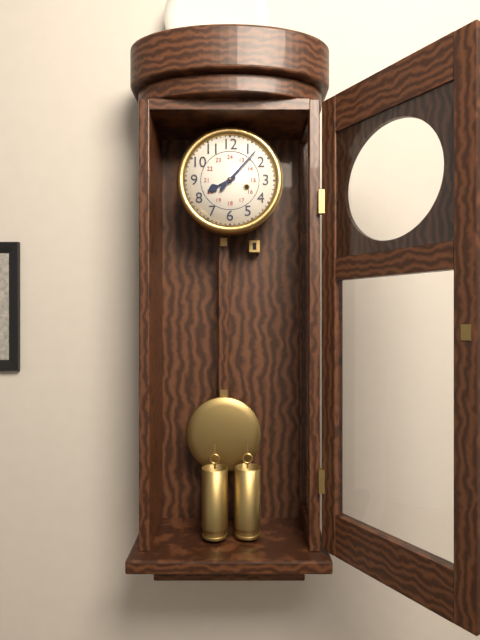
8:07
